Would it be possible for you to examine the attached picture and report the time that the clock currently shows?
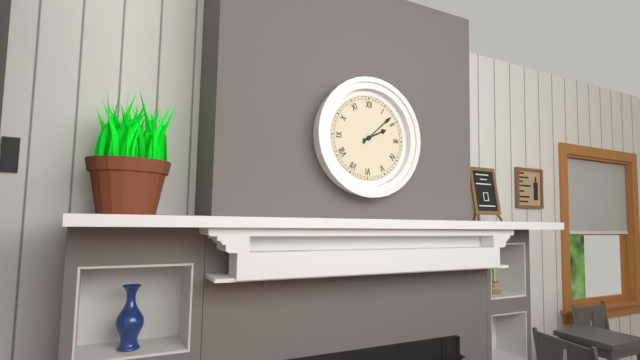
2:08
